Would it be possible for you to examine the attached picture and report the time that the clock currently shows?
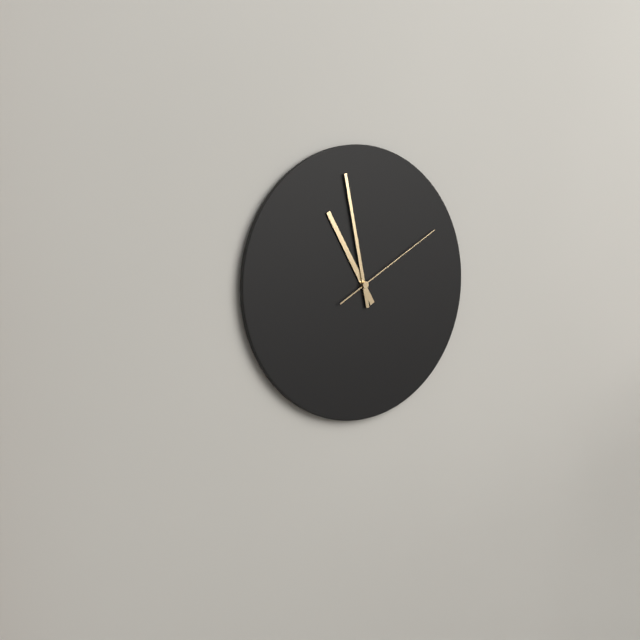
10:58:10
